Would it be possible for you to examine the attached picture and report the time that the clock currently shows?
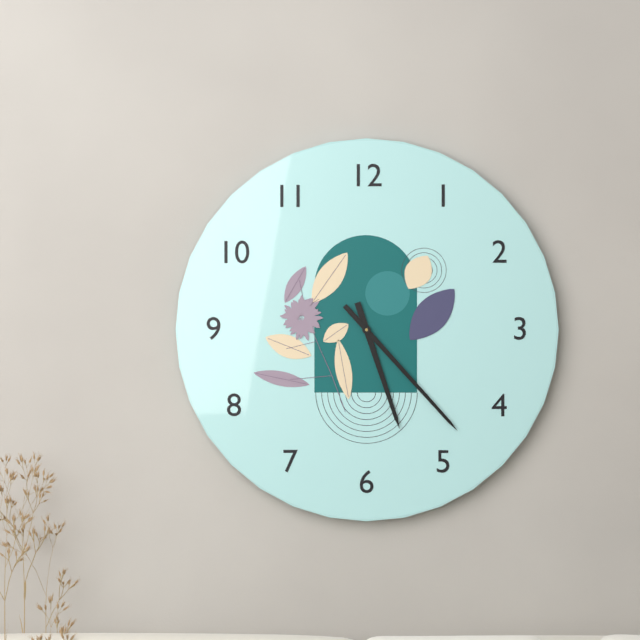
5:23
